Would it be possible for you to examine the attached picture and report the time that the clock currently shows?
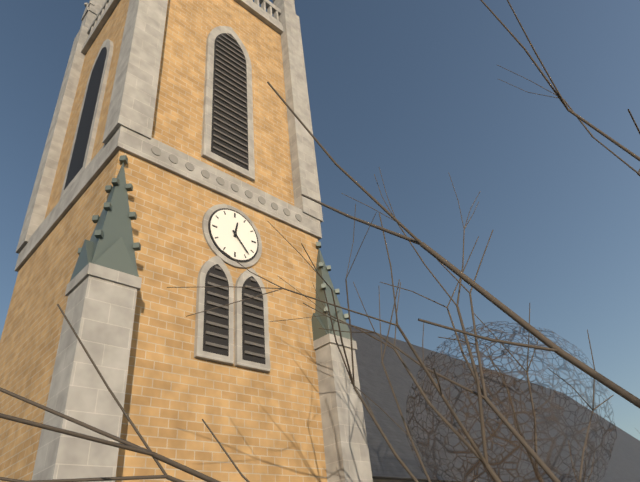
12:23
